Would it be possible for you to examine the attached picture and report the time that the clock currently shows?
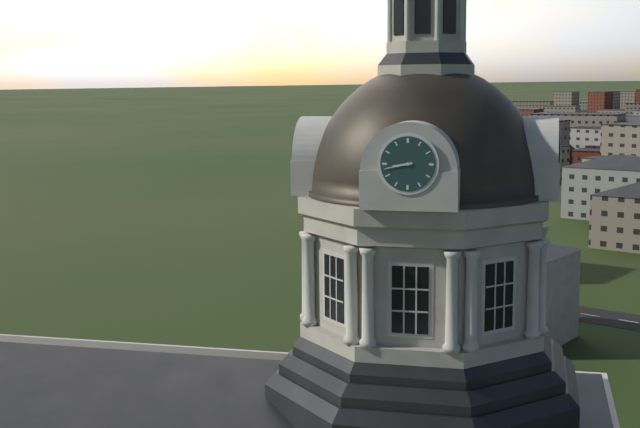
8:43
